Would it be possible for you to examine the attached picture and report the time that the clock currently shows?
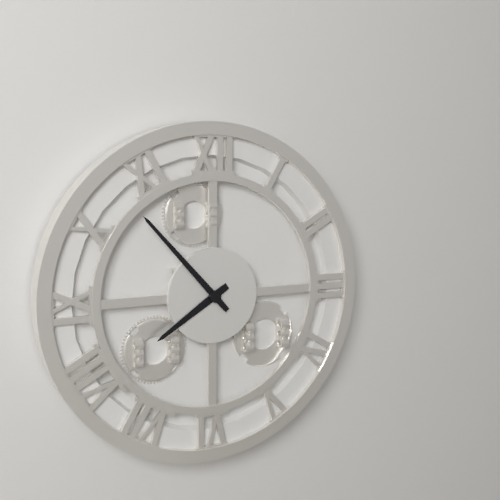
7:53
